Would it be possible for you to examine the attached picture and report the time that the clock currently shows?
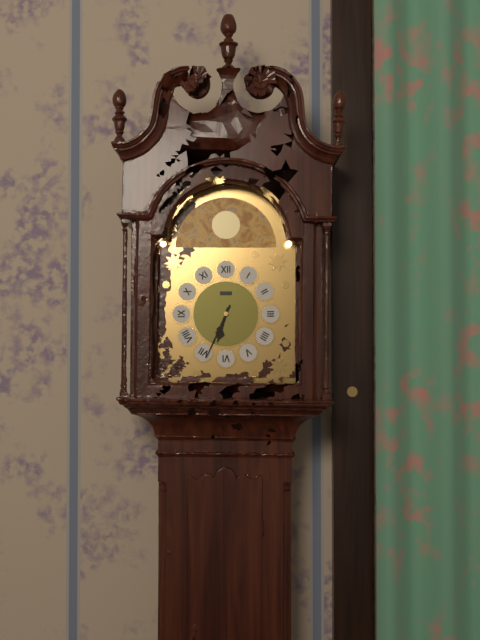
6:34
